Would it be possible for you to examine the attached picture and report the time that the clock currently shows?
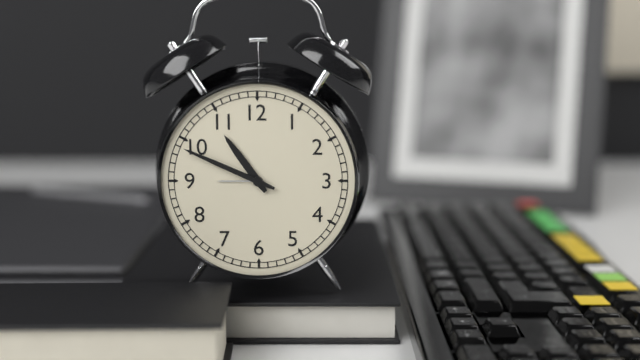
10:49
